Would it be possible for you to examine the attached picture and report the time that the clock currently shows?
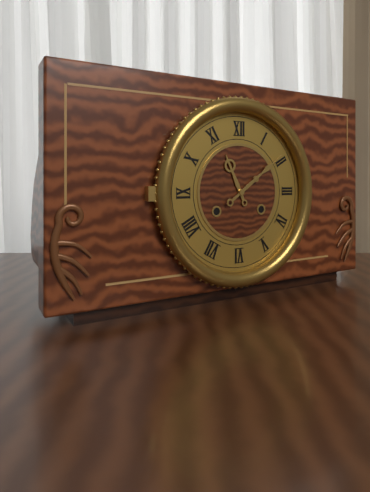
11:09
